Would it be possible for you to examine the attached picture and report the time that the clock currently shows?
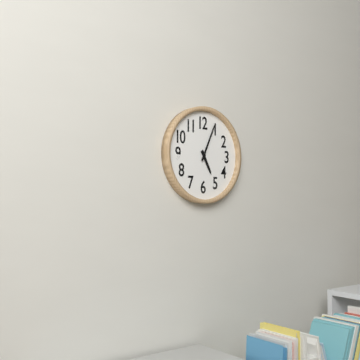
5:04
